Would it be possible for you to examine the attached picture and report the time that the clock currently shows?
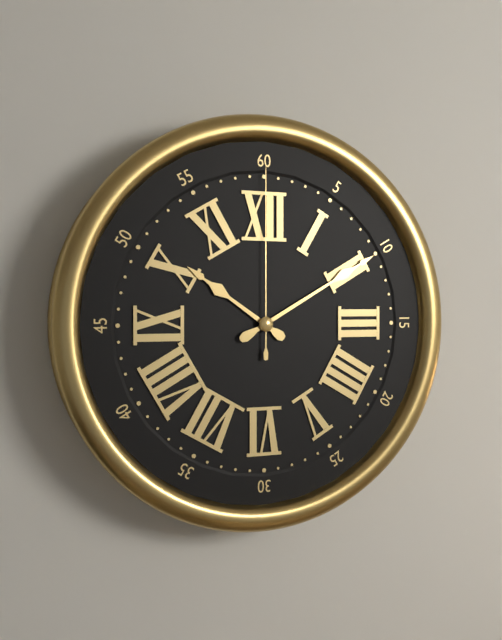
10:10:00
